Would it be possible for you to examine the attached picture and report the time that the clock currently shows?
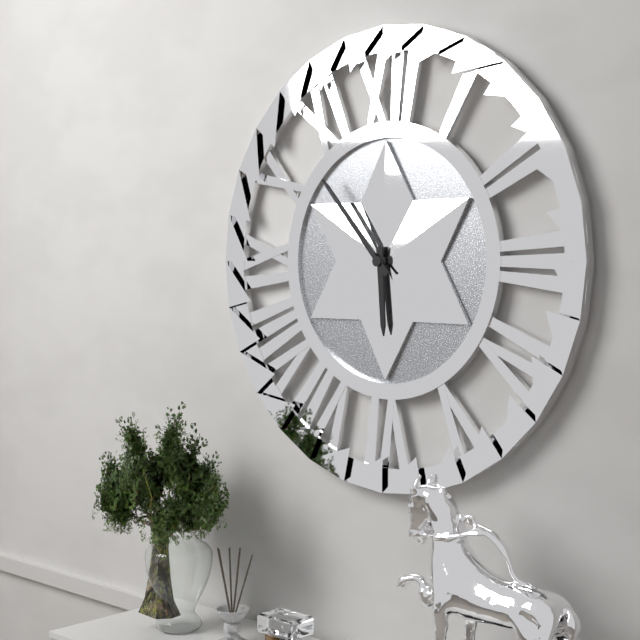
5:53
